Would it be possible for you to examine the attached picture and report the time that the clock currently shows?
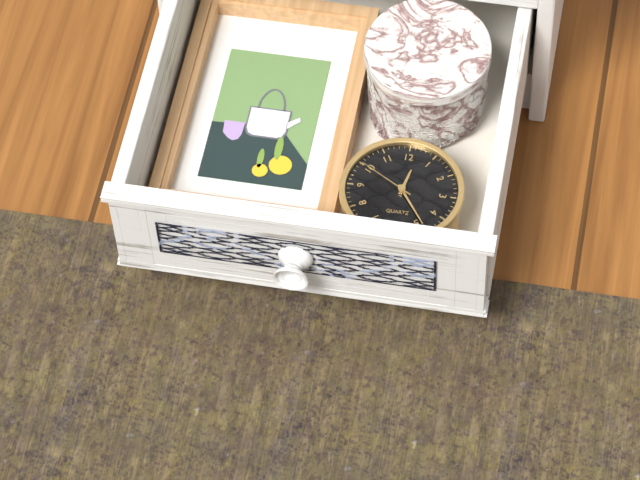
12:24:50
